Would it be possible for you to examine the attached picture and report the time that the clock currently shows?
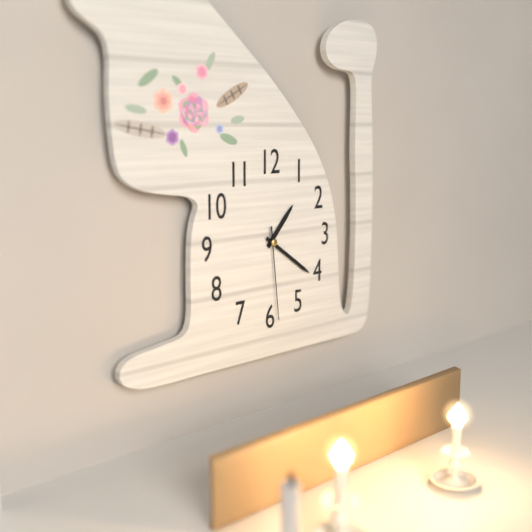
1:21:29
